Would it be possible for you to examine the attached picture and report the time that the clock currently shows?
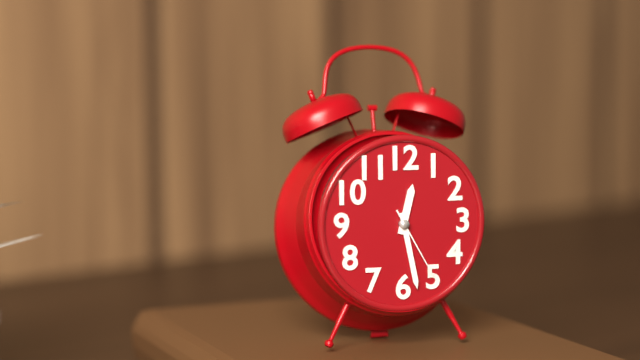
12:28:25
